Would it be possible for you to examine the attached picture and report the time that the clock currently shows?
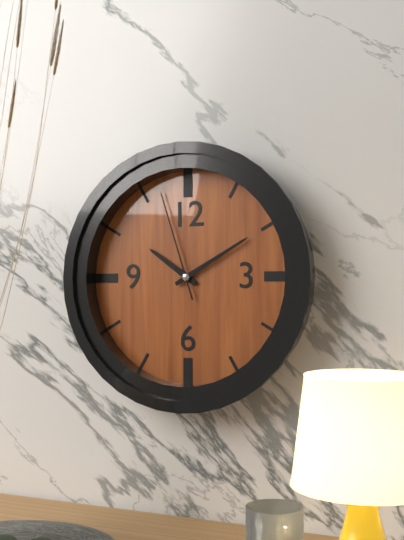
10:10:57
